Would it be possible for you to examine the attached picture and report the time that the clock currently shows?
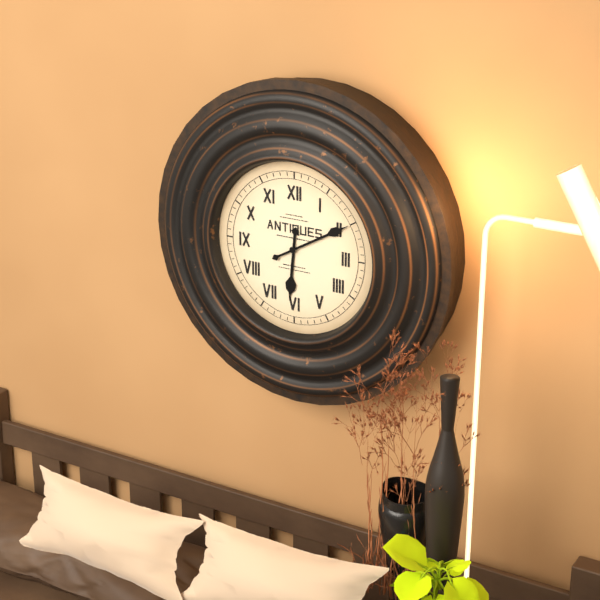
6:10
